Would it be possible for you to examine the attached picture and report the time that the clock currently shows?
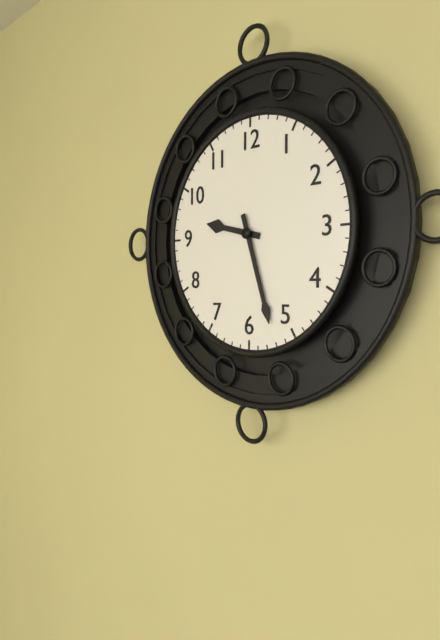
9:27
